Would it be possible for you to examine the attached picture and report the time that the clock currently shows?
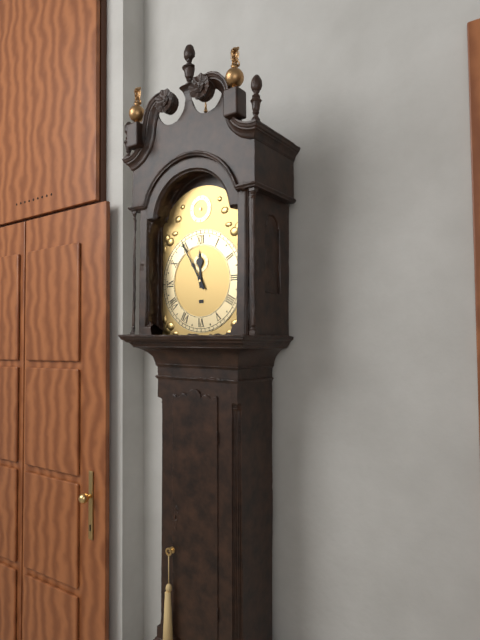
11:55
